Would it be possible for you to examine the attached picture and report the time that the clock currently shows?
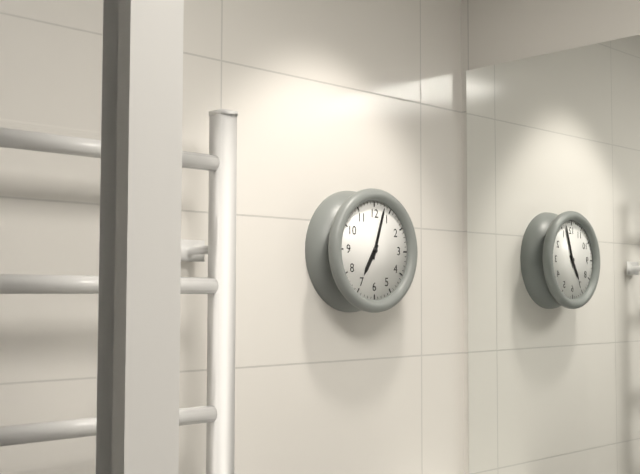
7:03
